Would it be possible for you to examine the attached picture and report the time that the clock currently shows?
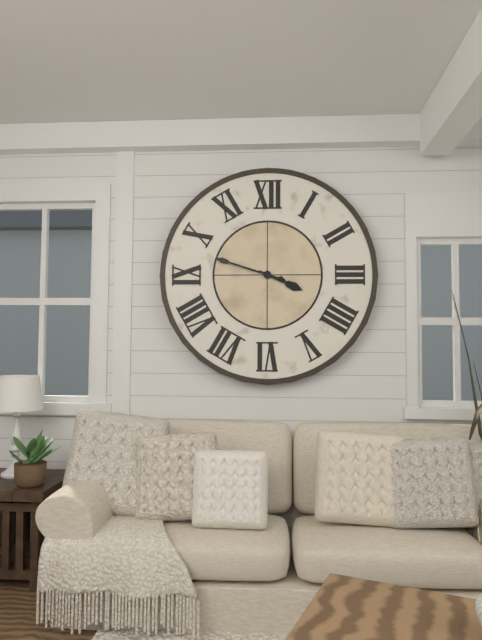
3:48
